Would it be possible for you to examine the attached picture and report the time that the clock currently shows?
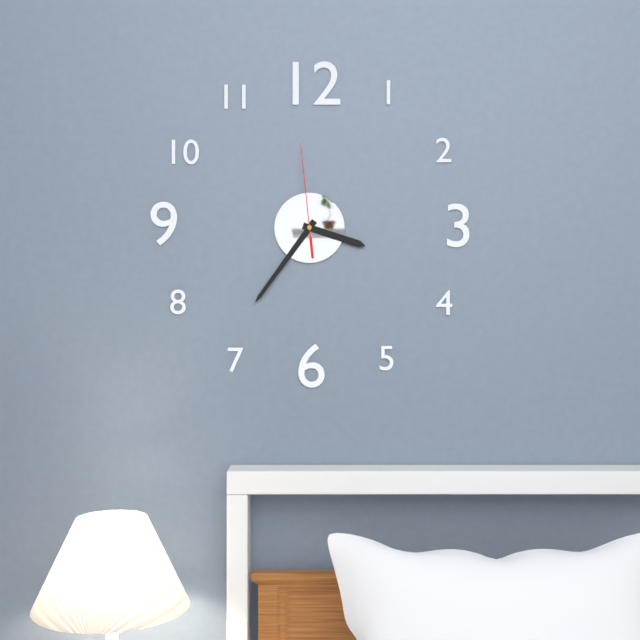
3:36:59
